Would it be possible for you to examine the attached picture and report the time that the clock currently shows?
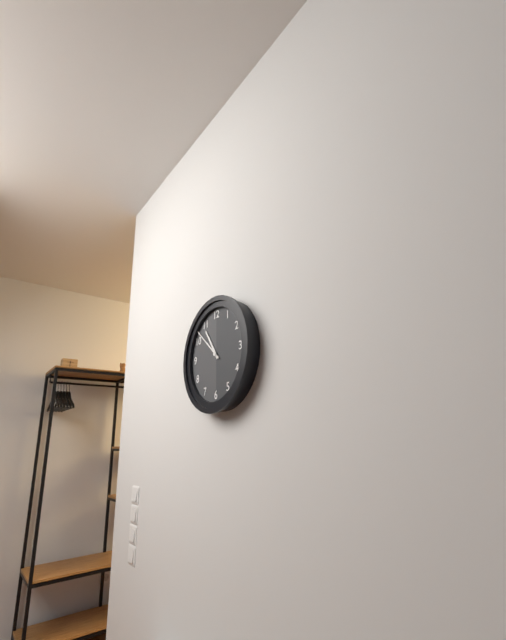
10:52
